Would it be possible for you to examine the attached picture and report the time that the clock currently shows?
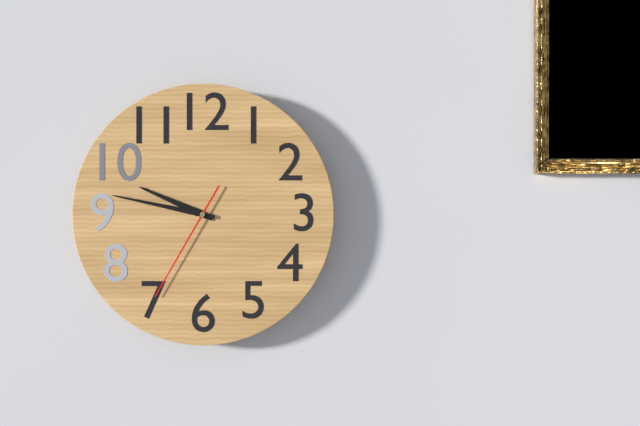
9:47:35
